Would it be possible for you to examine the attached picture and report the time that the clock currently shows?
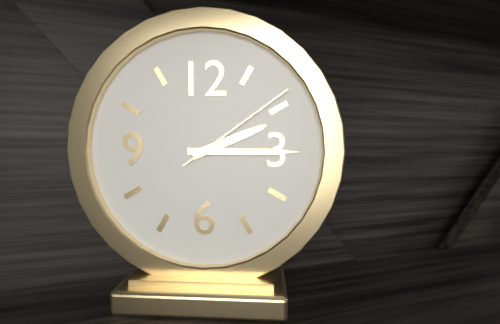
2:15:09
